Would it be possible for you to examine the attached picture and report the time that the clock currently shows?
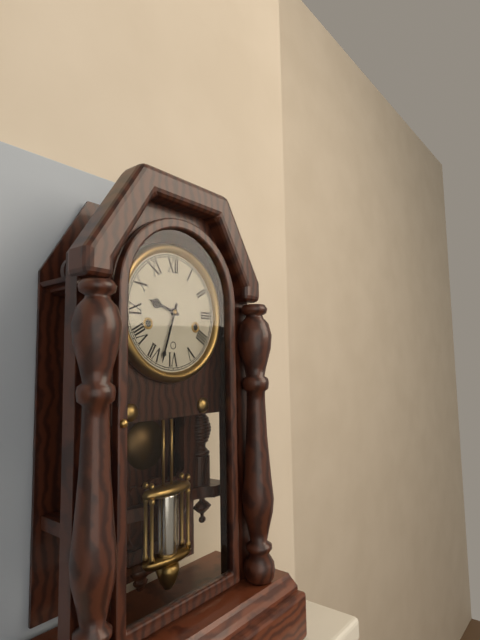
9:33
